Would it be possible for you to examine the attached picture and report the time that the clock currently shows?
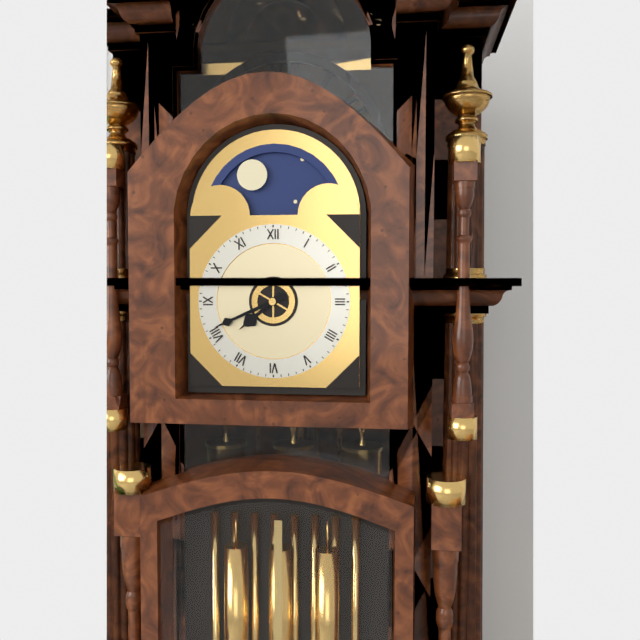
7:41
